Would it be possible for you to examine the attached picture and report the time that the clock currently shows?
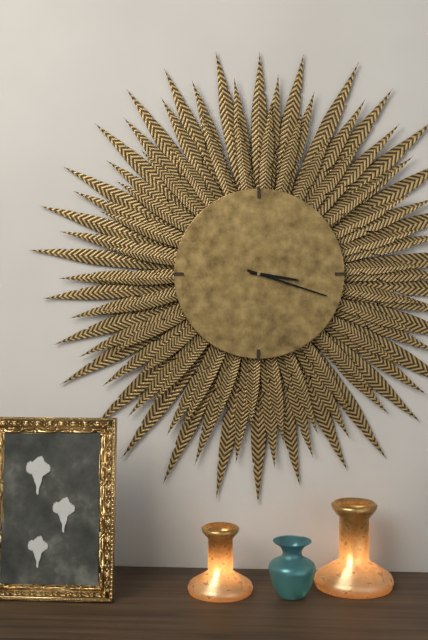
3:18
